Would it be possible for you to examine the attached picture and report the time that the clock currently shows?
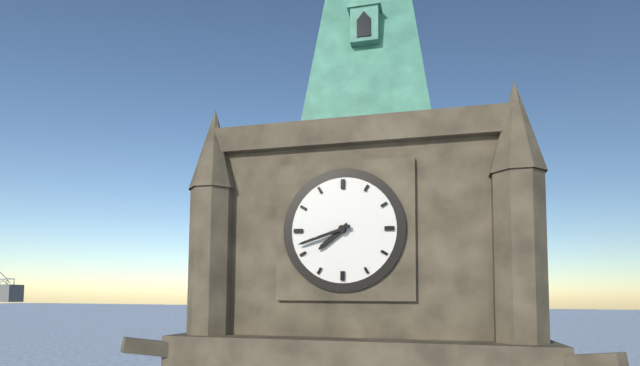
7:42
